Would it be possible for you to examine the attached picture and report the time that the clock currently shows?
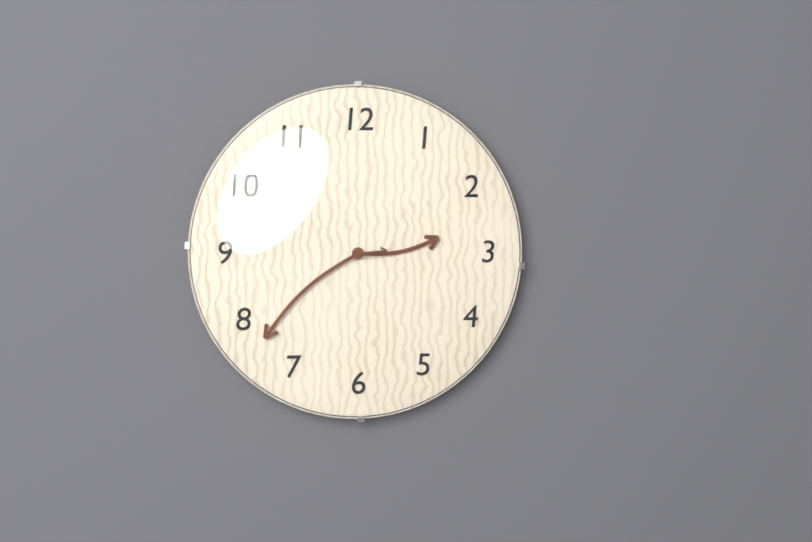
2:38
